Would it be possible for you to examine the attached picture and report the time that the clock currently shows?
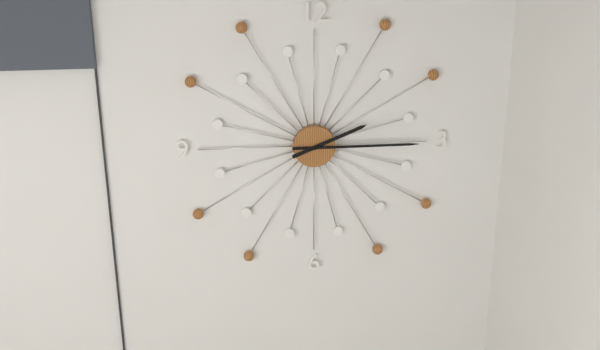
2:15
